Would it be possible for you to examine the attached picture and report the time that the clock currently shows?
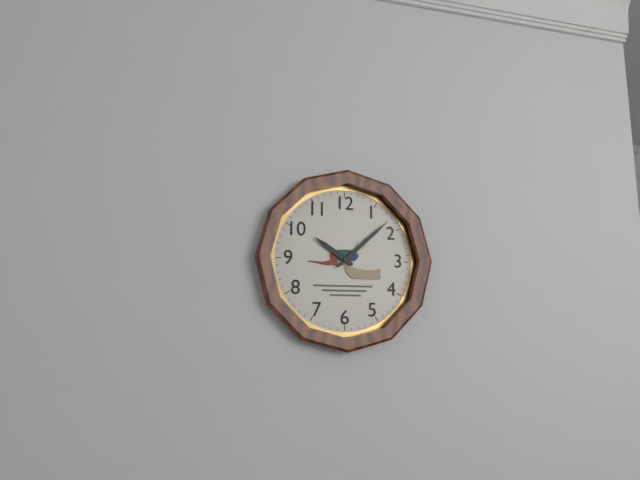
10:08
